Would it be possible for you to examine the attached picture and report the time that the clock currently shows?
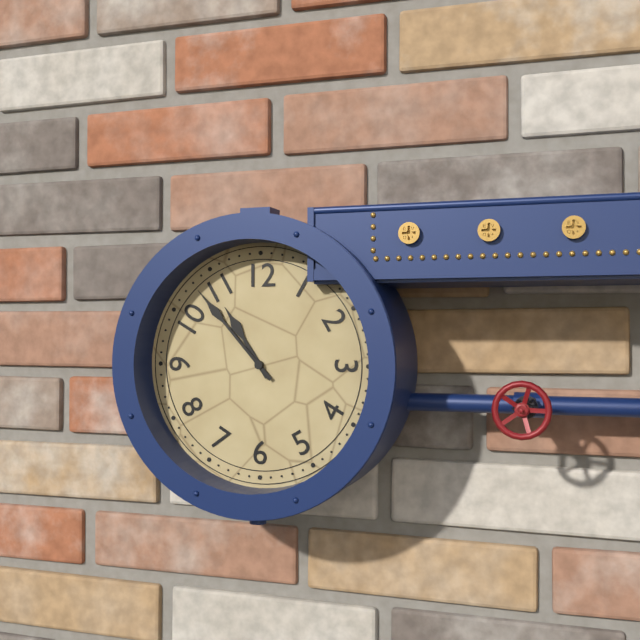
10:53
